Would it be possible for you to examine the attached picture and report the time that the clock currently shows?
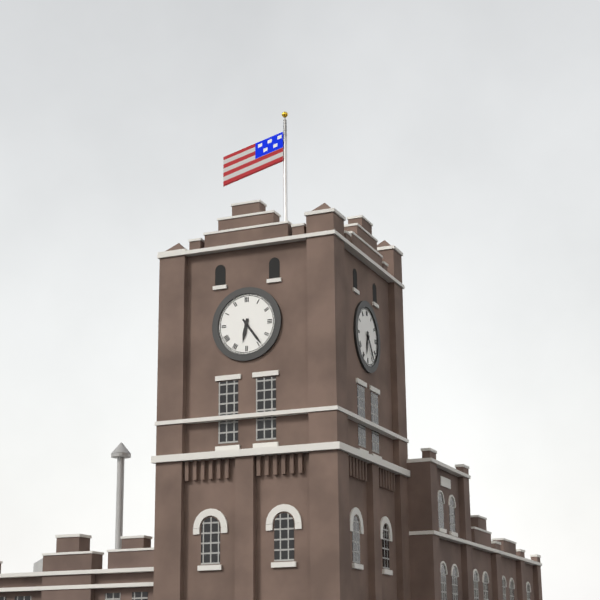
6:24
